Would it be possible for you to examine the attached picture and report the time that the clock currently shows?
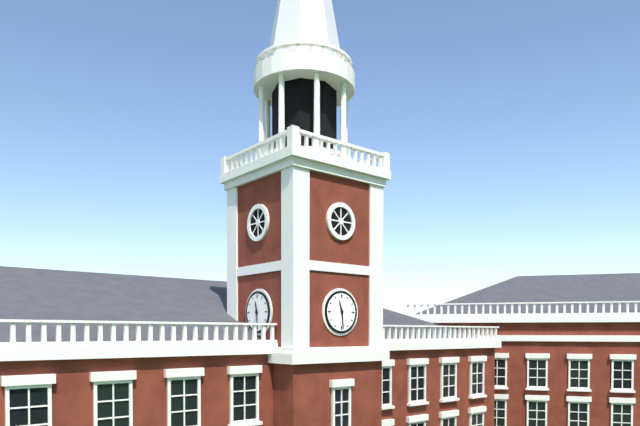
11:29
